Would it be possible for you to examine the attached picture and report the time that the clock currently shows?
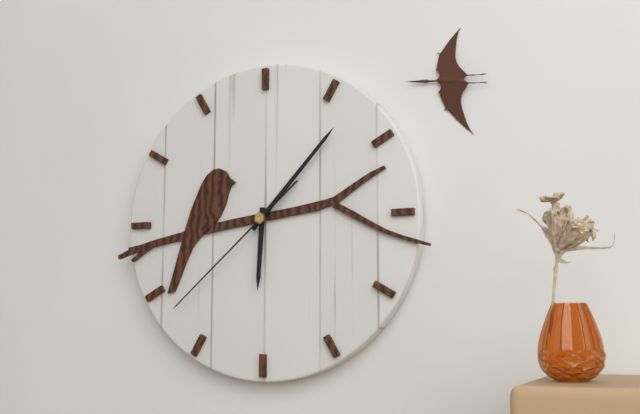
6:07:38
